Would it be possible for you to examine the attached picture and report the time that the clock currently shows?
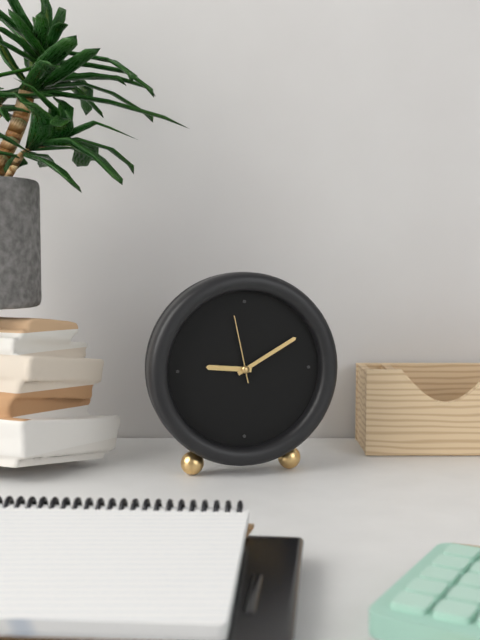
9:10:58
